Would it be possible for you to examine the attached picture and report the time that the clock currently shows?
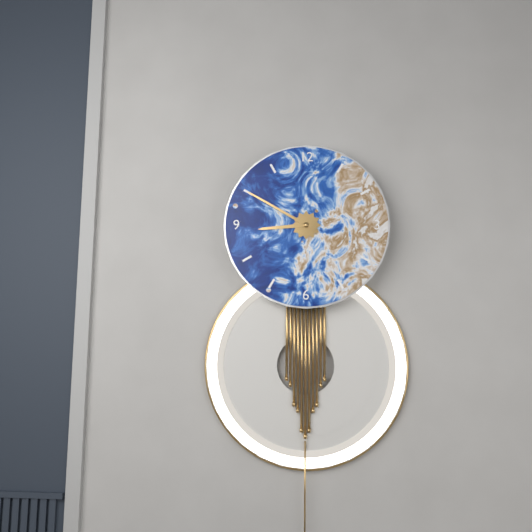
8:50
